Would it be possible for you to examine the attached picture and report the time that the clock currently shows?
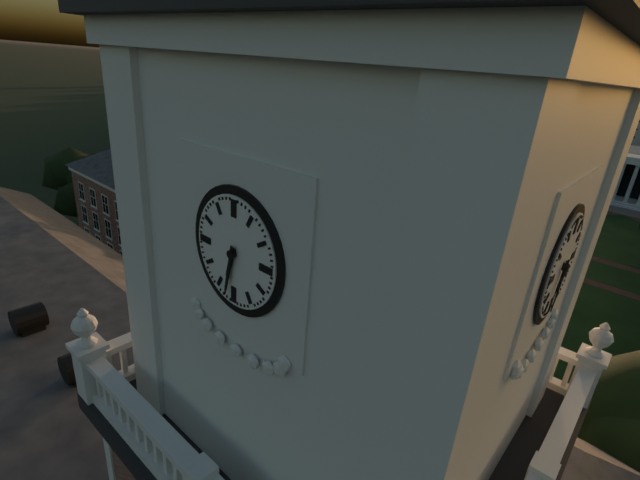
6:32
